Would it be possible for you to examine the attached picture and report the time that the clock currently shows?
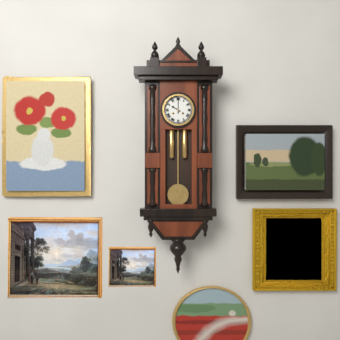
10:00
